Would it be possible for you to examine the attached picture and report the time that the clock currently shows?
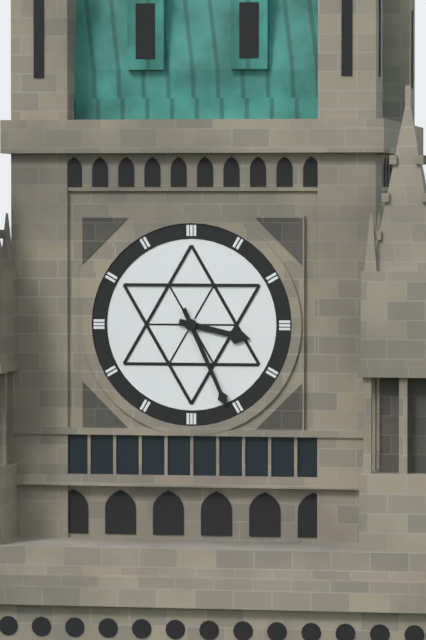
3:26
